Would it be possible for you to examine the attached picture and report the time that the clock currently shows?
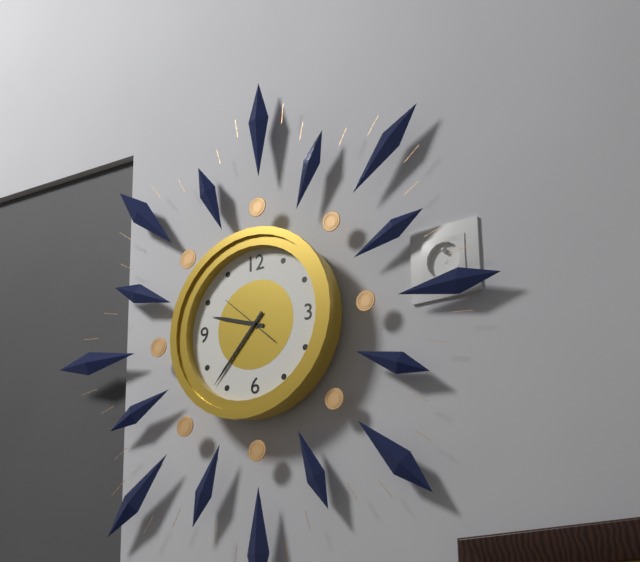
9:37
